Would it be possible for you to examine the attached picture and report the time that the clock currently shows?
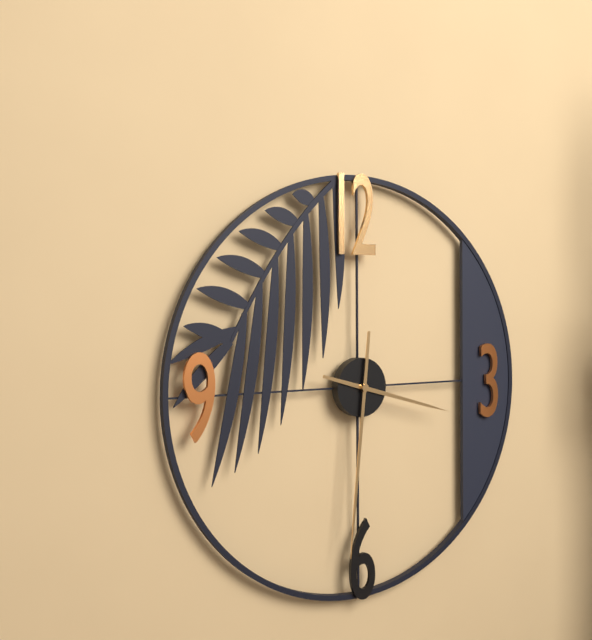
3:31
